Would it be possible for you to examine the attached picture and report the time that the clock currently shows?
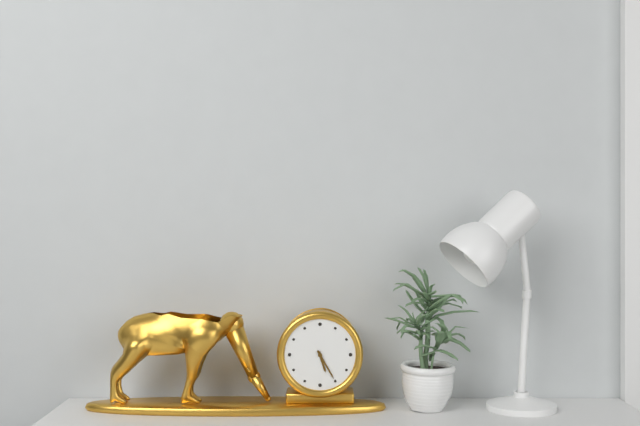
5:25
